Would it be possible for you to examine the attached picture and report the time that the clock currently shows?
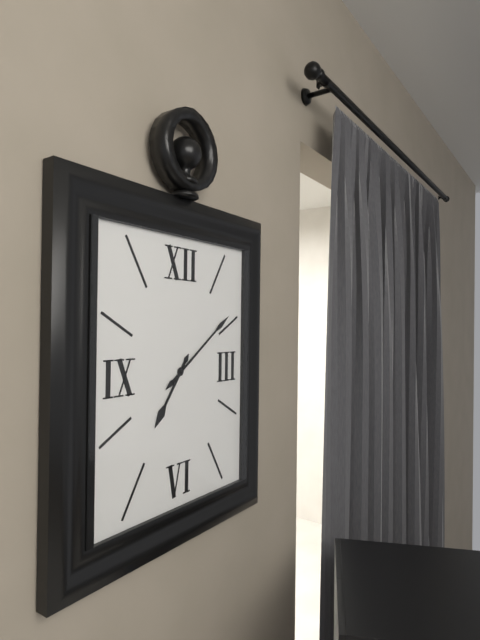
7:09
